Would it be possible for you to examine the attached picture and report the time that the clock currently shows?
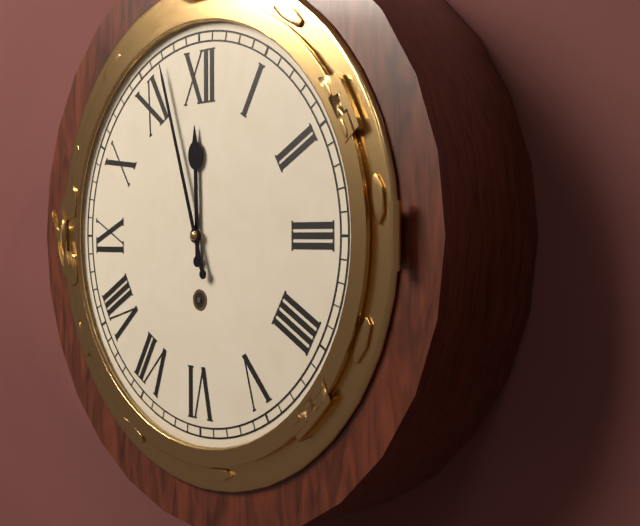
11:57
